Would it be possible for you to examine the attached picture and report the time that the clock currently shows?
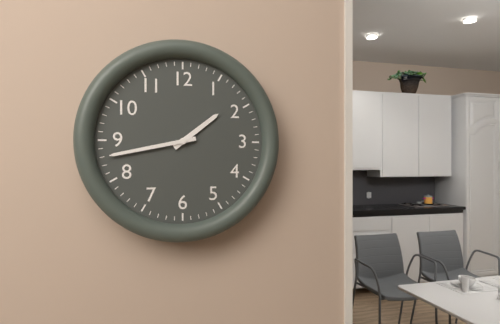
1:43
